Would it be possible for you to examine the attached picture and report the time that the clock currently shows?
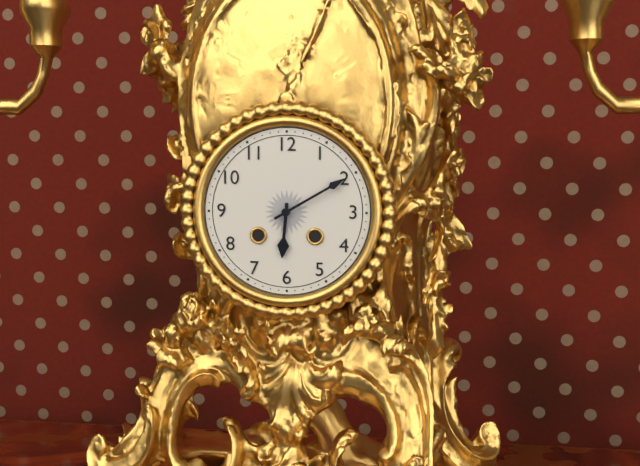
6:10
